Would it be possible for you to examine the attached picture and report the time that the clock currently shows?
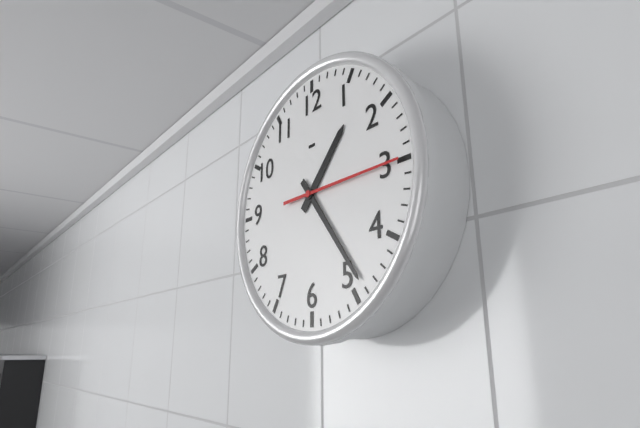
1:24:15
